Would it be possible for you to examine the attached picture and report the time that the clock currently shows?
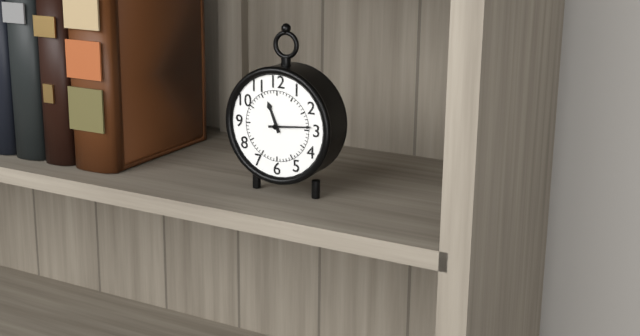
11:14
